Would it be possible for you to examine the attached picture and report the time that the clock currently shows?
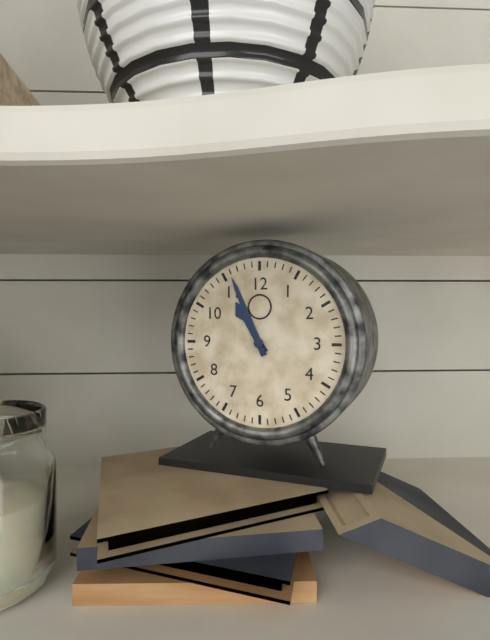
10:56
